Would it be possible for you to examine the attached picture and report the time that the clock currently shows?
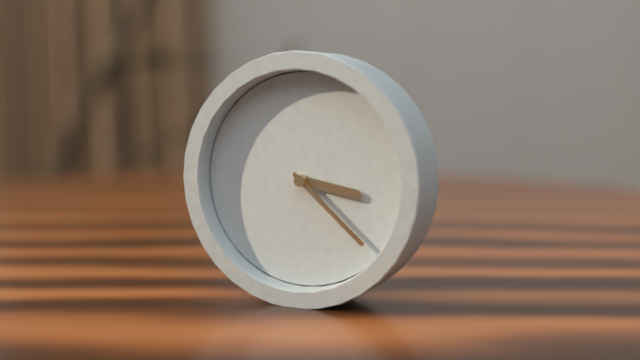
3:22
